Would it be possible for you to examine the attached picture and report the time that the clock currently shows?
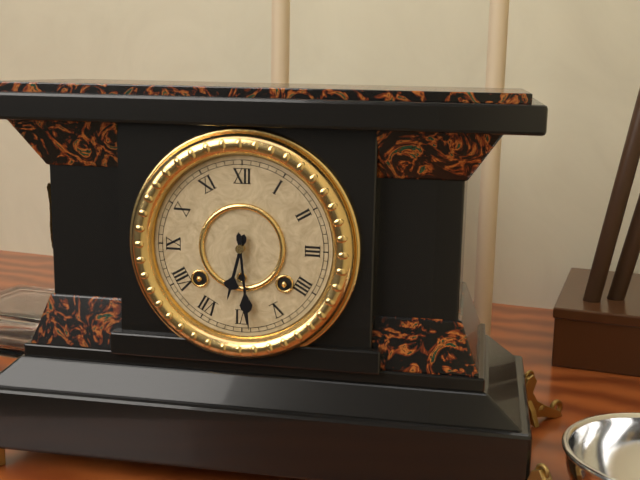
6:29
